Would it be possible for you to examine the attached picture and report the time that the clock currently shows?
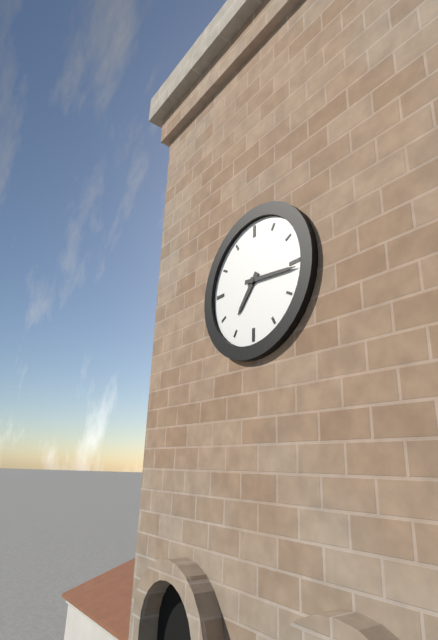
7:16
